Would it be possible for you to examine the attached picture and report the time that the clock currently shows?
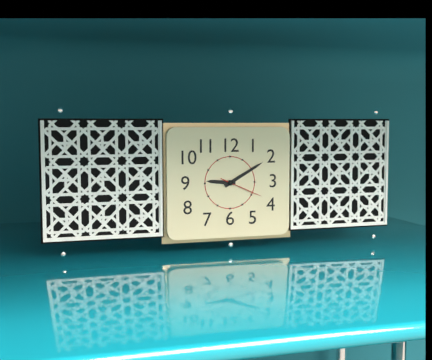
9:10
